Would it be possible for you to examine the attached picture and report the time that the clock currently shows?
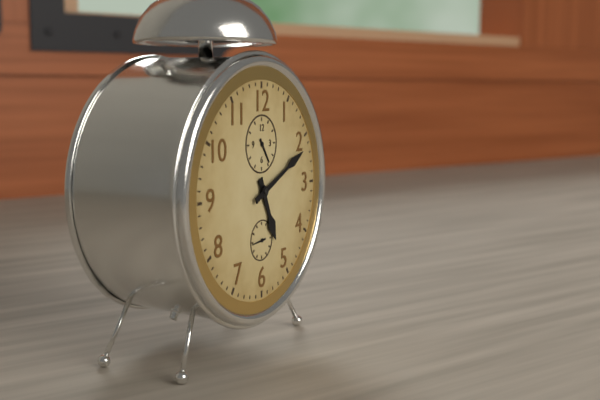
5:11
